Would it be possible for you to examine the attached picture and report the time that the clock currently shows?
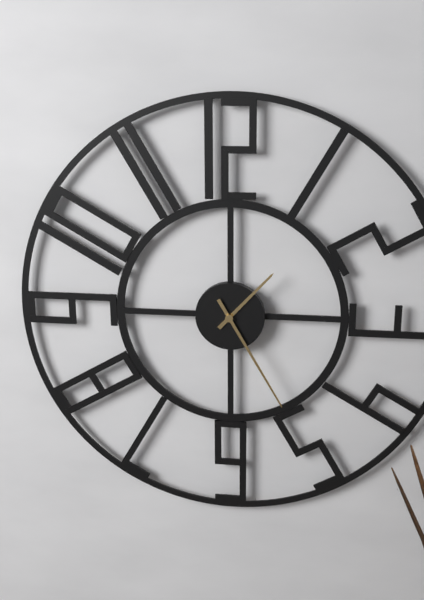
1:25
